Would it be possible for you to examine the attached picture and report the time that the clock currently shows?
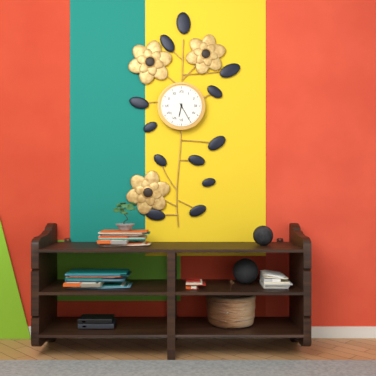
6:25
